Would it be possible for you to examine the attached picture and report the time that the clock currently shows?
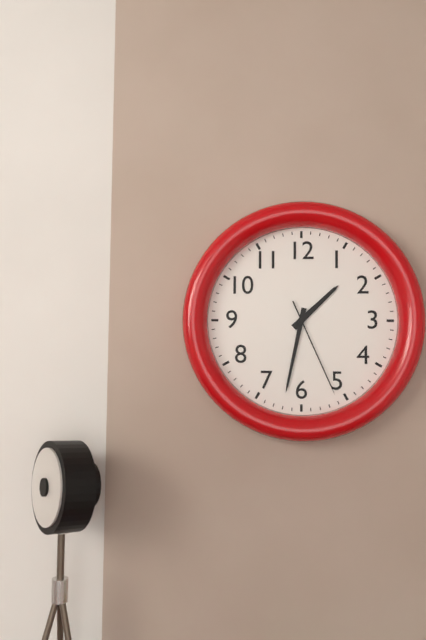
1:32:26
